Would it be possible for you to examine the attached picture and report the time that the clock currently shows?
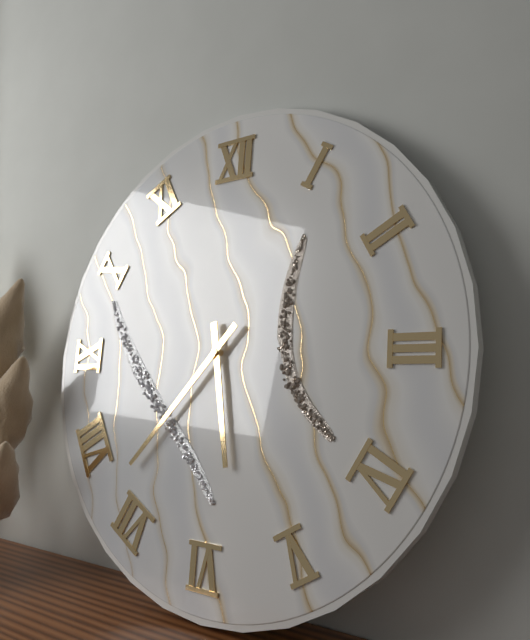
5:37
